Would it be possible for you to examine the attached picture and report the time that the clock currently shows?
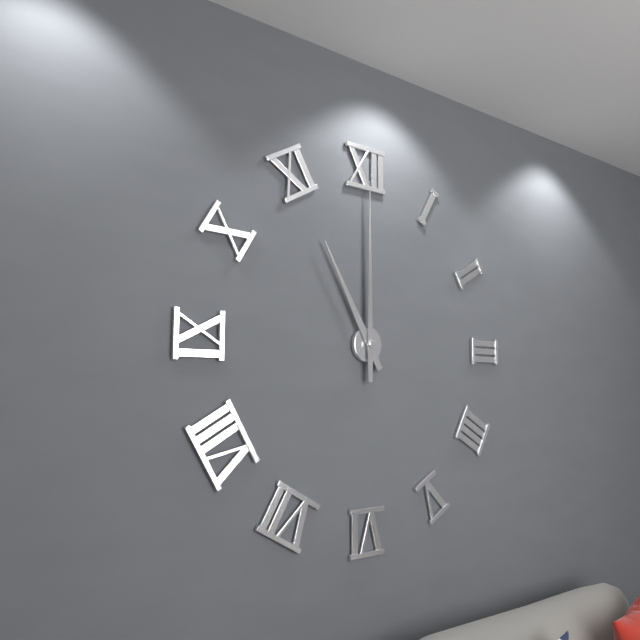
11:00
